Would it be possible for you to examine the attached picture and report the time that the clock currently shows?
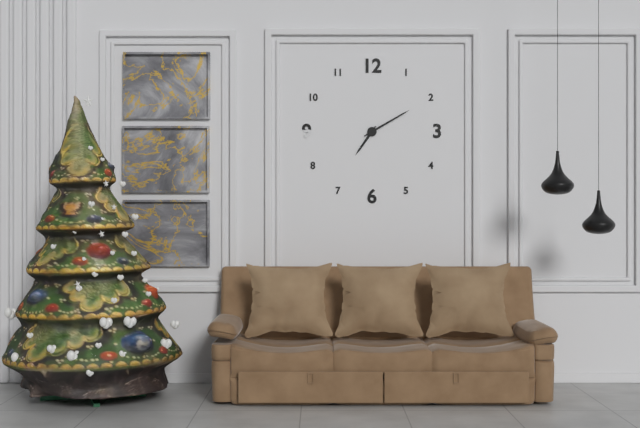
7:10
